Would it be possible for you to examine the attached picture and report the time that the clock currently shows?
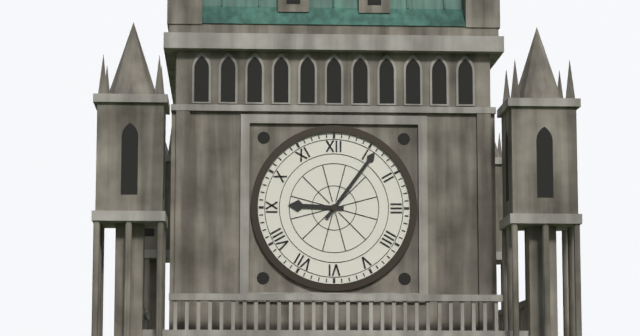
9:06
